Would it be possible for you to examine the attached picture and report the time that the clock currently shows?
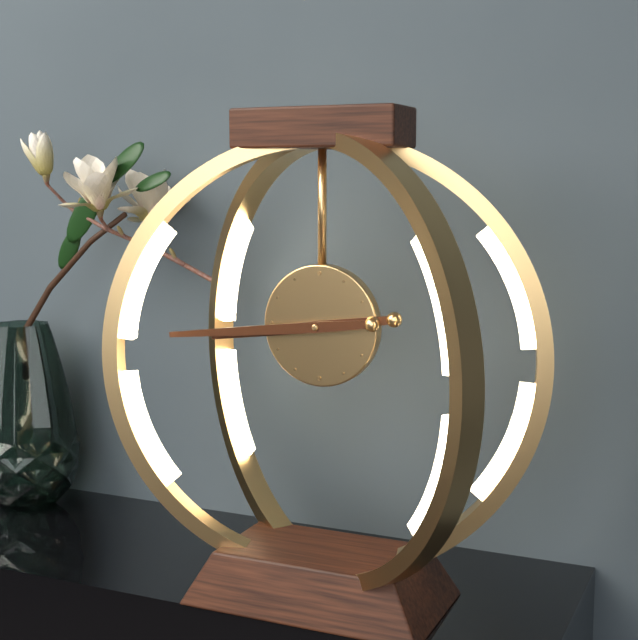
8:44
